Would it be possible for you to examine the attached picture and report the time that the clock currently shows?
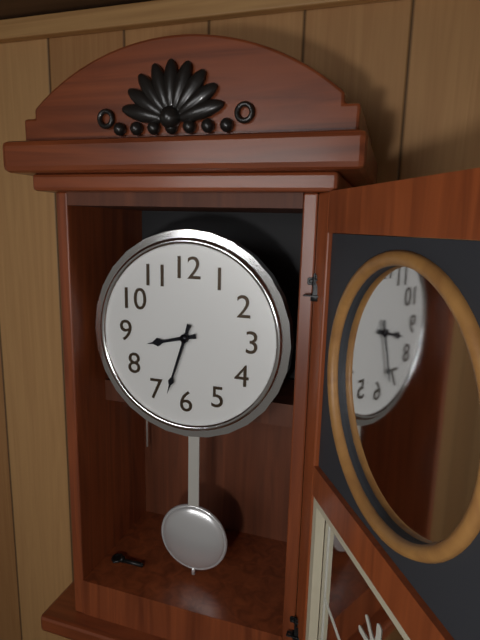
8:33
